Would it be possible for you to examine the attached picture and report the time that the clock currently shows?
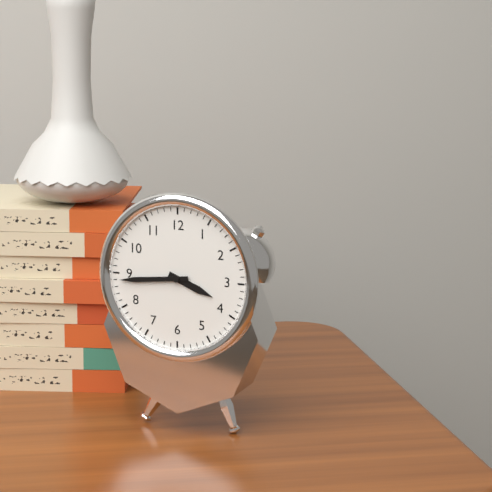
3:44
